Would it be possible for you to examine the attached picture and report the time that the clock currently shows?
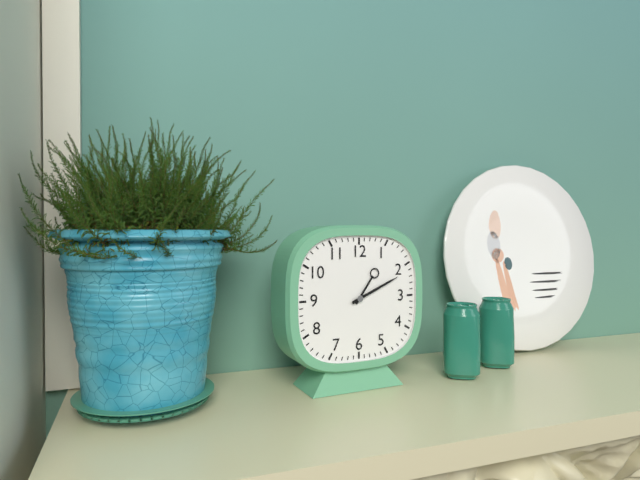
1:11
